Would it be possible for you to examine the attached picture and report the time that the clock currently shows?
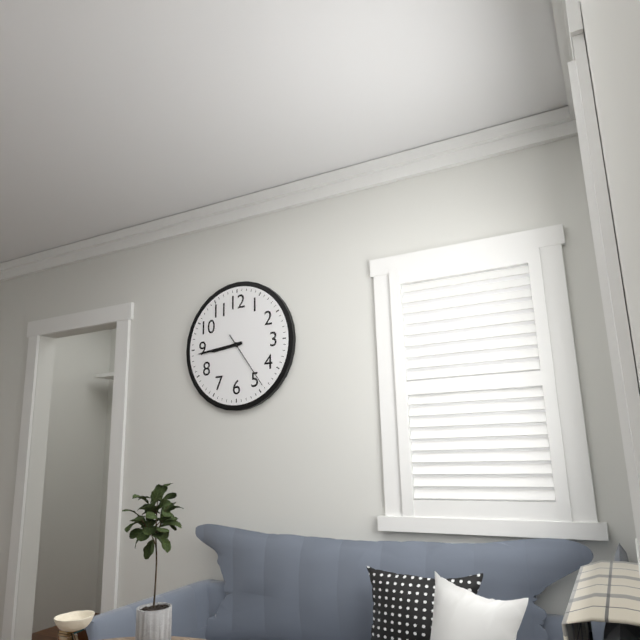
8:44:24
